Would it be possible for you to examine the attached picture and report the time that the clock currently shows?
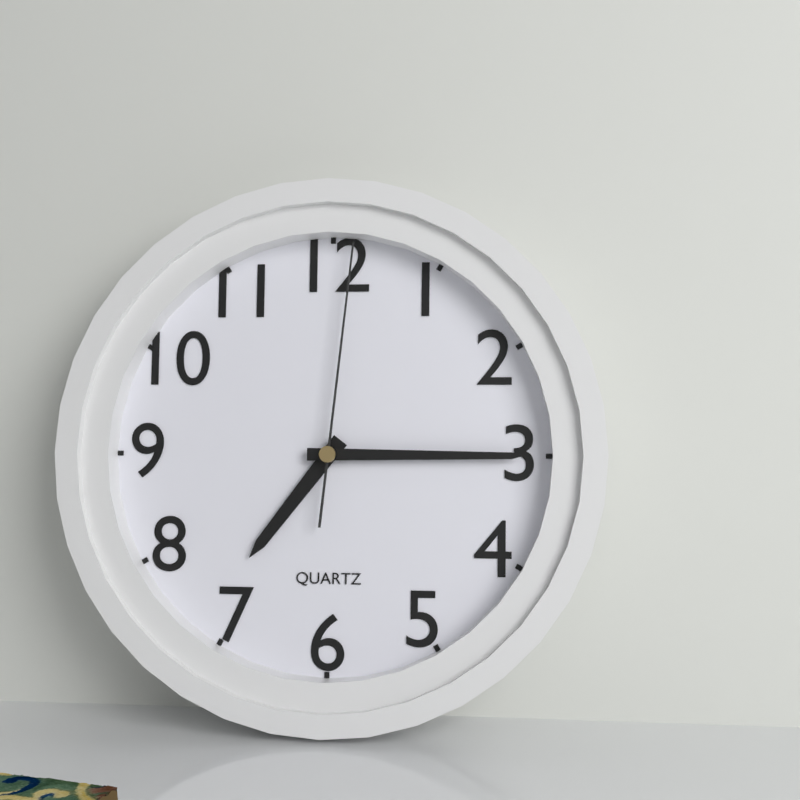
7:15:01
